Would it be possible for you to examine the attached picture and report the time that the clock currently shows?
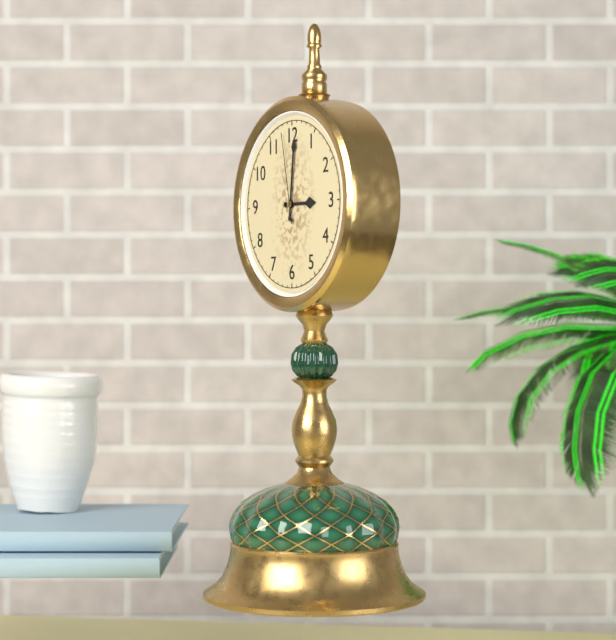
3:01:58
